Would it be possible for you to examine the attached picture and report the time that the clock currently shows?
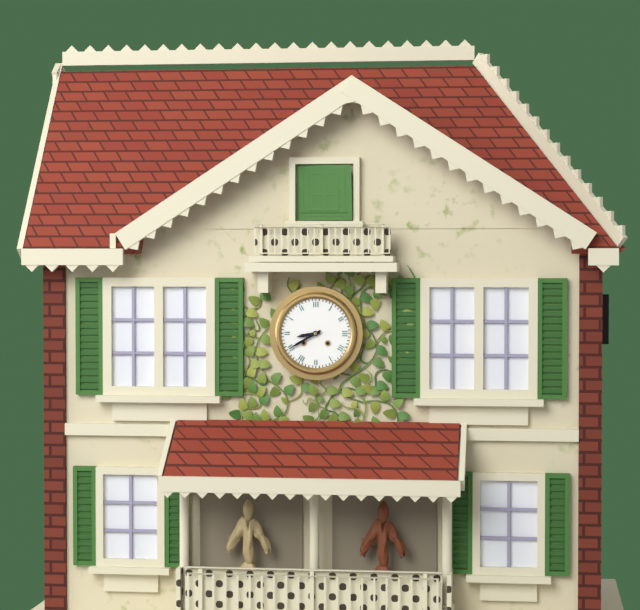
8:40
